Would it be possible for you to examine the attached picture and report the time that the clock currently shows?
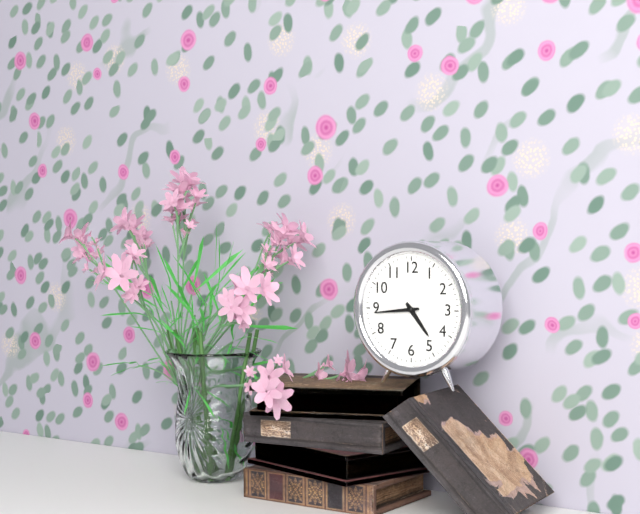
4:44
